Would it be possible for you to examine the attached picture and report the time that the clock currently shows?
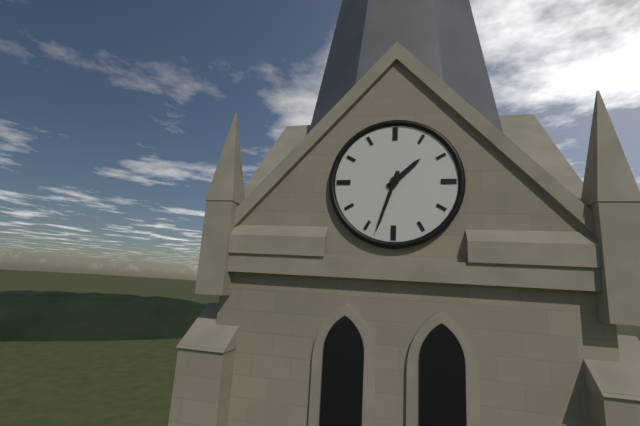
1:33
